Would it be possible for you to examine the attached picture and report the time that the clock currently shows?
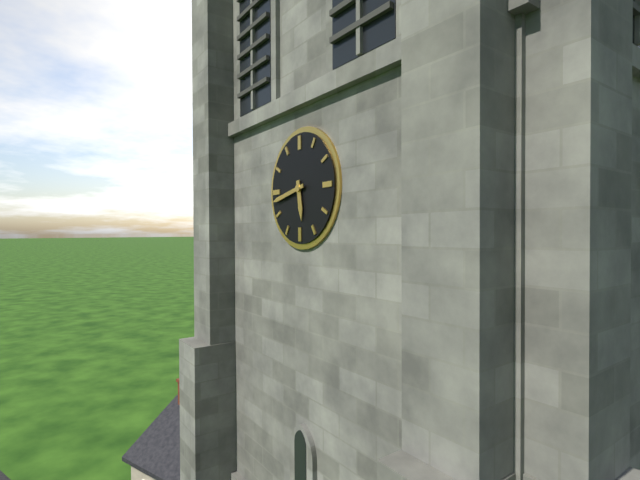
5:43
